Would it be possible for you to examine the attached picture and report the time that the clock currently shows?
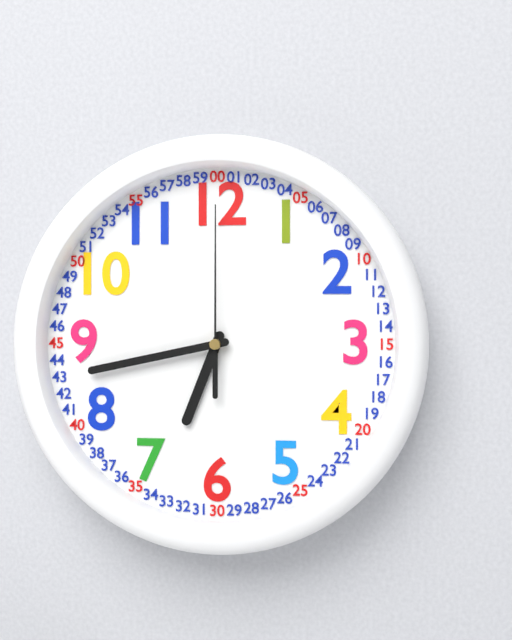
6:43:00
